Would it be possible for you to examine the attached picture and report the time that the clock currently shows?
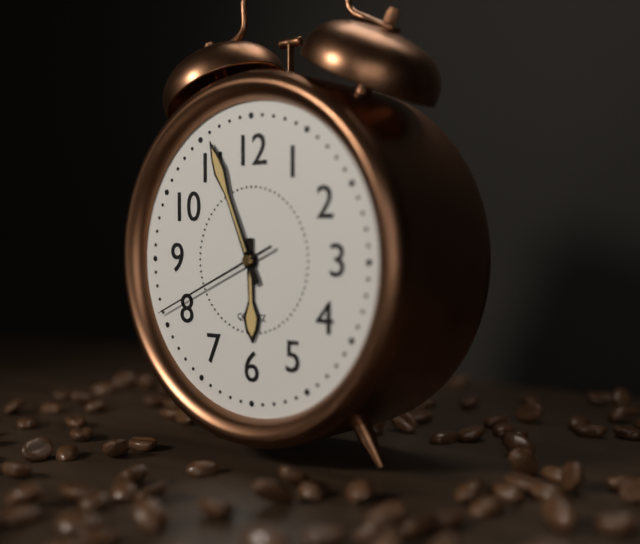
5:56:41
